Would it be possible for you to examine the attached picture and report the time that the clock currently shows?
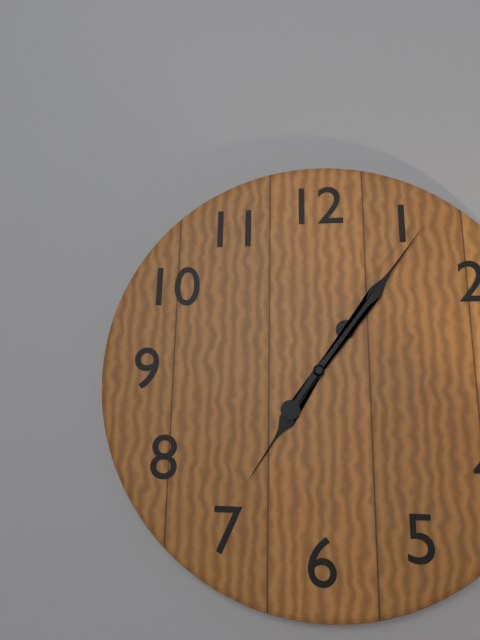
7:06
